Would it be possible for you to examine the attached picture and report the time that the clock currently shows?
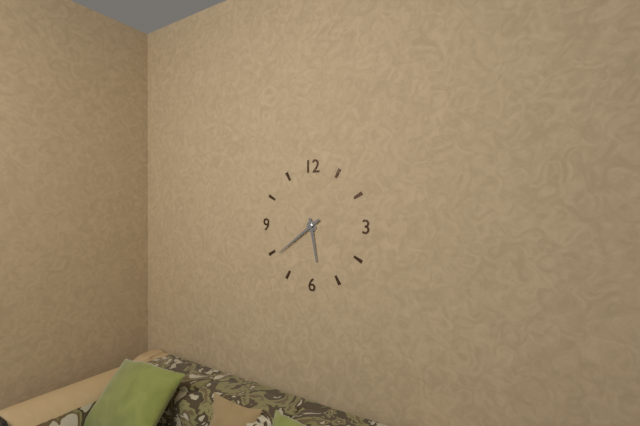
5:39
